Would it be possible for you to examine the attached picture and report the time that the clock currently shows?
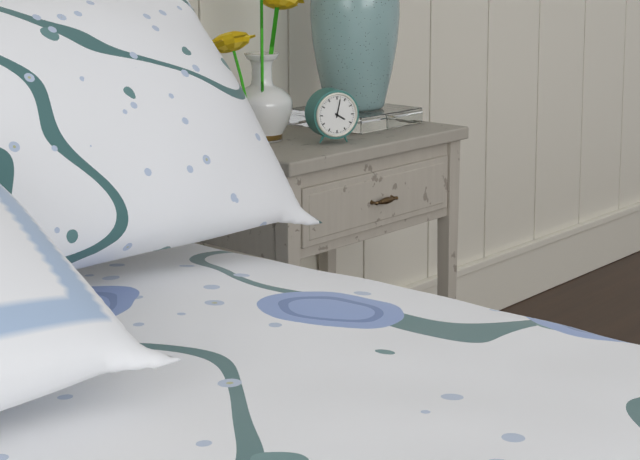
4:02
